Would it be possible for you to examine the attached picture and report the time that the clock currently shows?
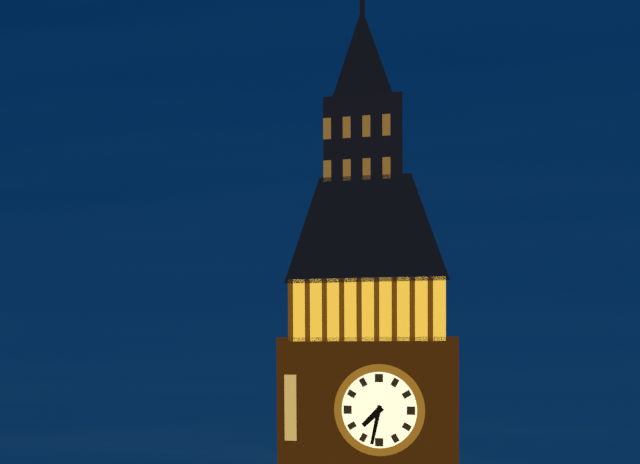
7:32
